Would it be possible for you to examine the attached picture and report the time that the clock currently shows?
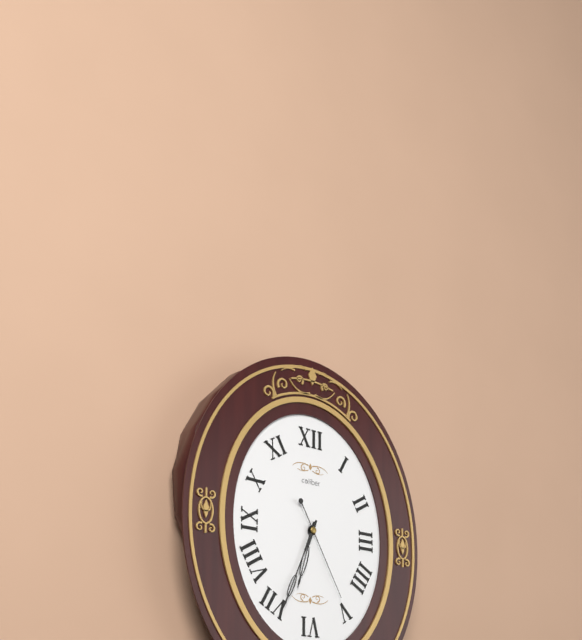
6:34:25
